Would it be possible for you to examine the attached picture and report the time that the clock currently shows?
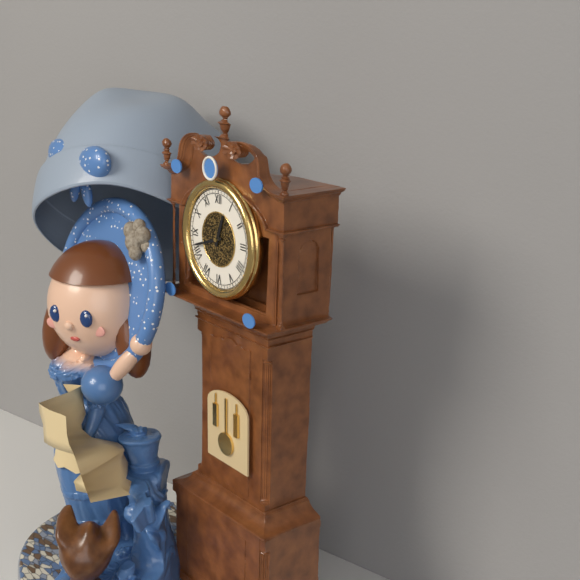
12:42
